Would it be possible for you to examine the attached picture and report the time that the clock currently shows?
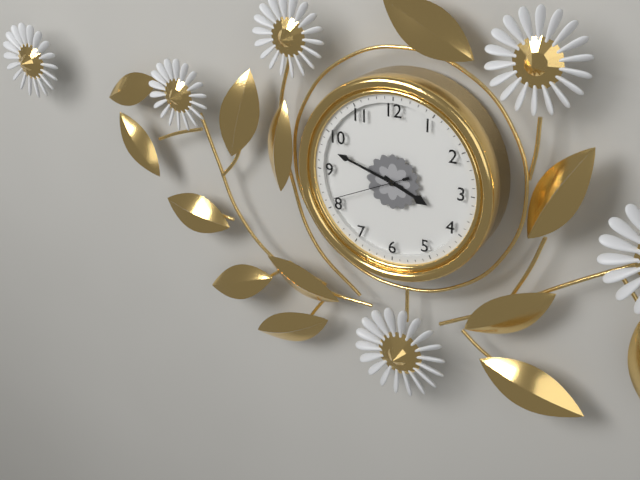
3:48:41
